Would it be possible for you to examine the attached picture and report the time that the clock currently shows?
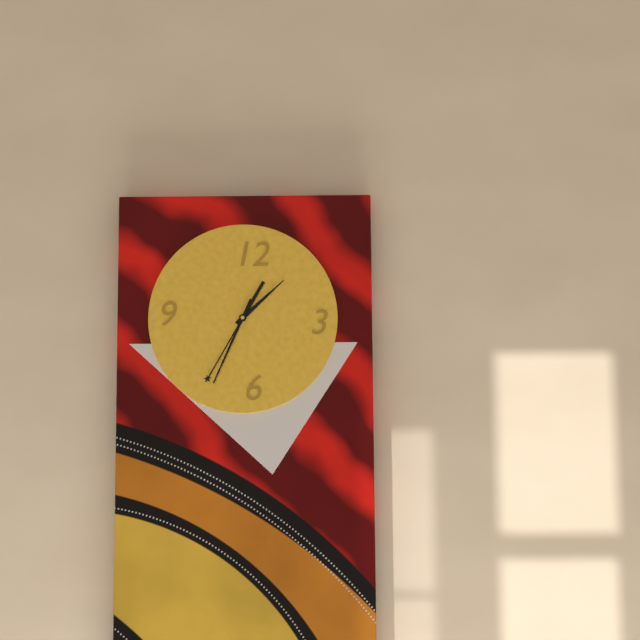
1:35:34
